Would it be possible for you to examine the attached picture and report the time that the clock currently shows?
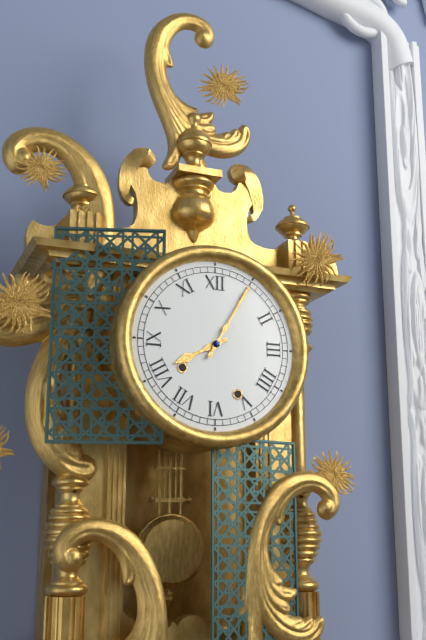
8:05
